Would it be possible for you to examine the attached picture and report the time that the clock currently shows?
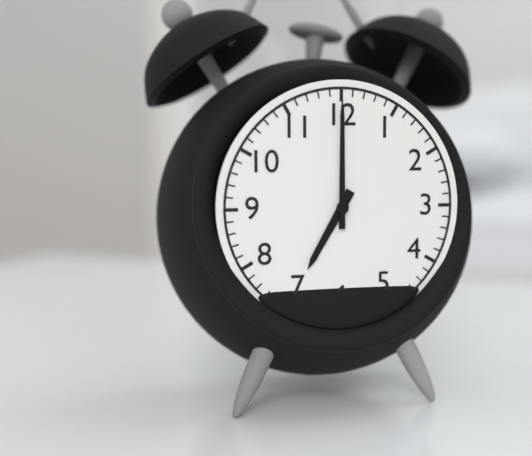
7:00
